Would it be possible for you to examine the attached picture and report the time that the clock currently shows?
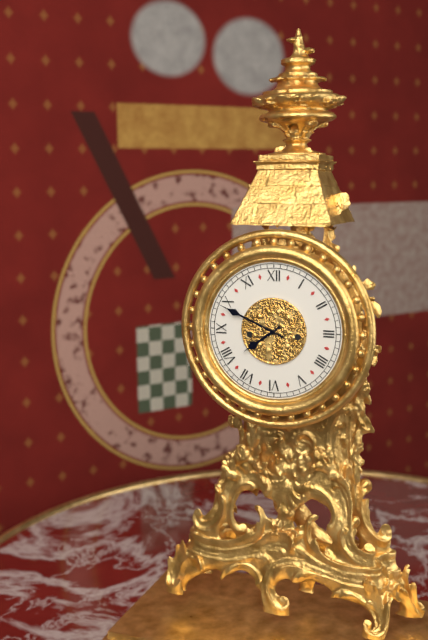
7:49
